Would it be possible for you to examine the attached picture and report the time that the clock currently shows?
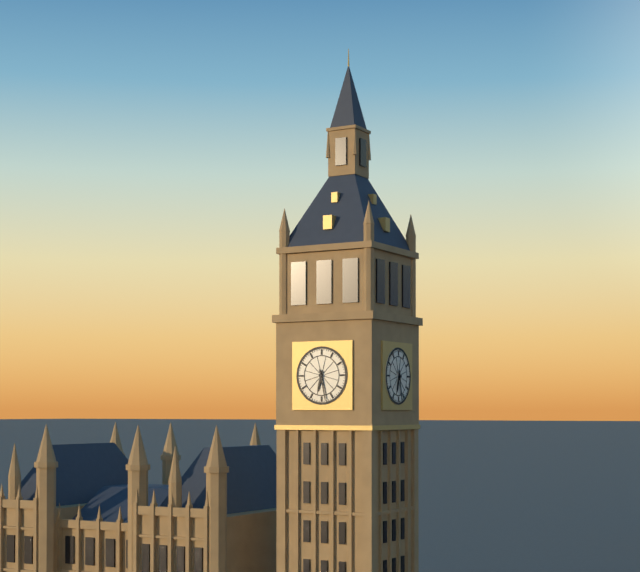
6:28
